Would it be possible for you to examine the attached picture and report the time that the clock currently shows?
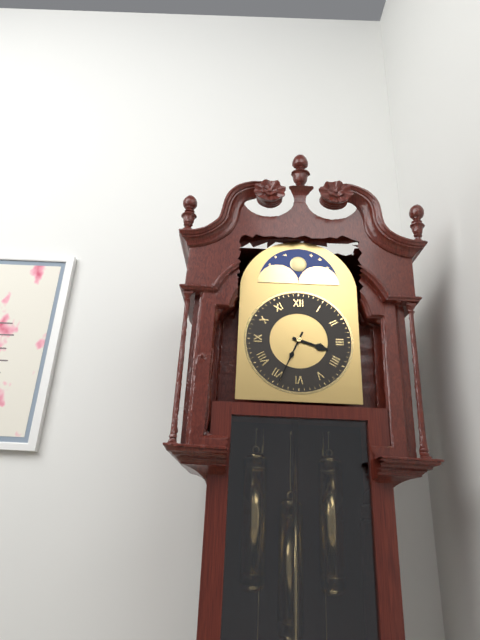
3:34
